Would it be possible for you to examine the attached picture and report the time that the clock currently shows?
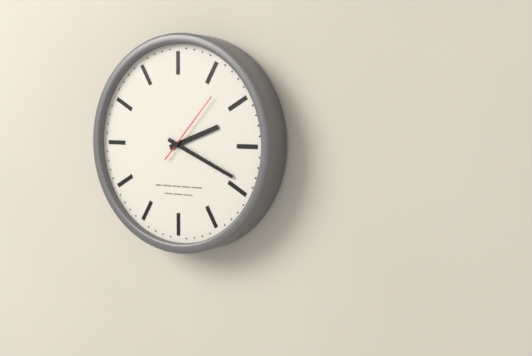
2:19:07
